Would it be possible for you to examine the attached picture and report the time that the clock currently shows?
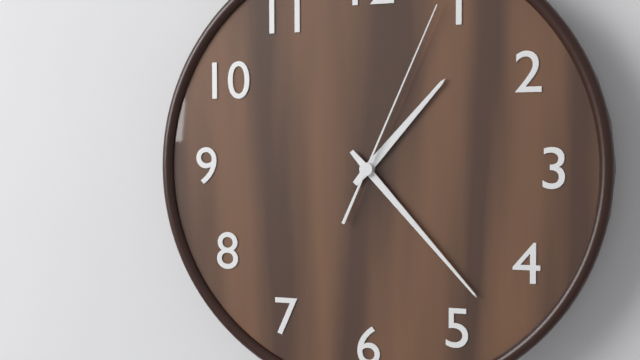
1:23:04
